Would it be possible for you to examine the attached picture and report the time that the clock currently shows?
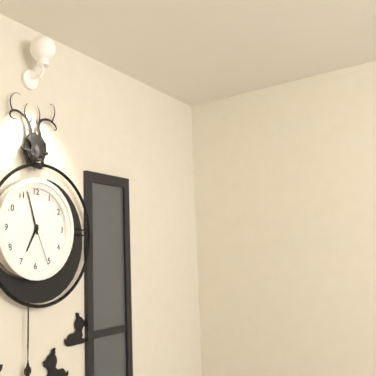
6:57:26
